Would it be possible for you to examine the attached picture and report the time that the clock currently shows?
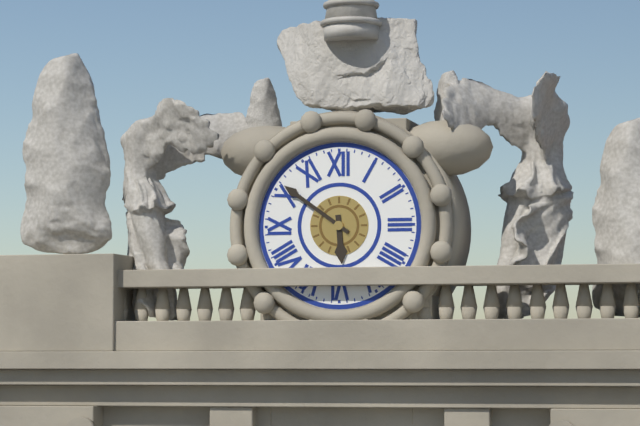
5:51
